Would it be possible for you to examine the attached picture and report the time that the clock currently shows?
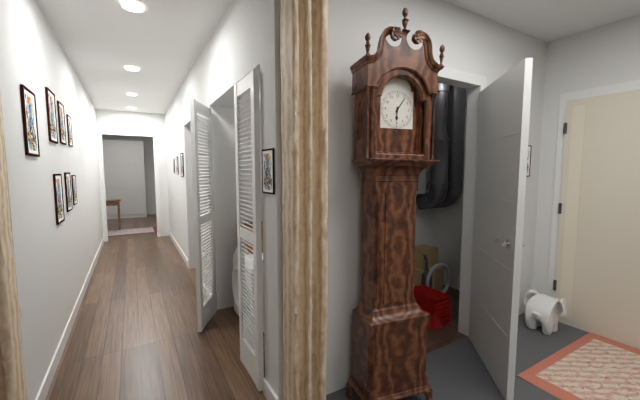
6:06
